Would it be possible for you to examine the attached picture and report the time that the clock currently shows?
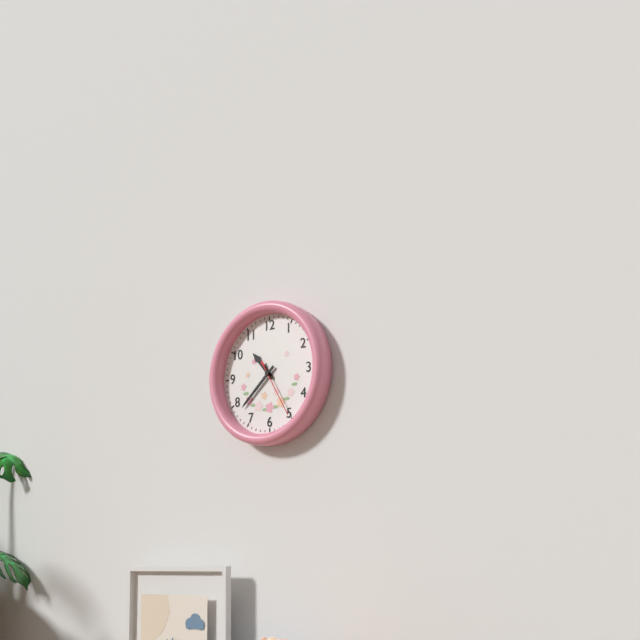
10:38:25
